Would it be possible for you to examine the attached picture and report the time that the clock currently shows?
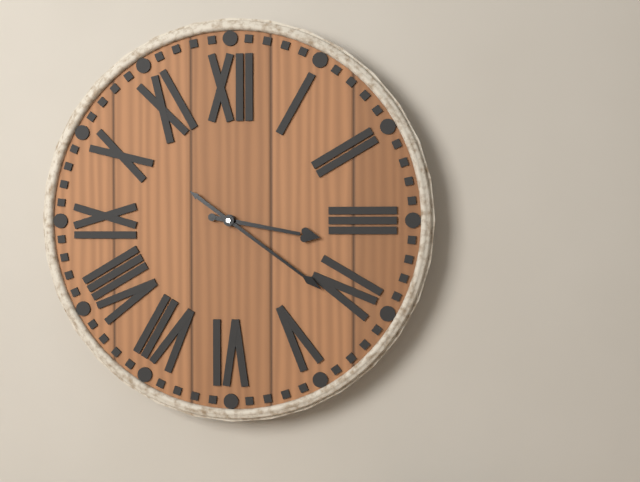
3:21
